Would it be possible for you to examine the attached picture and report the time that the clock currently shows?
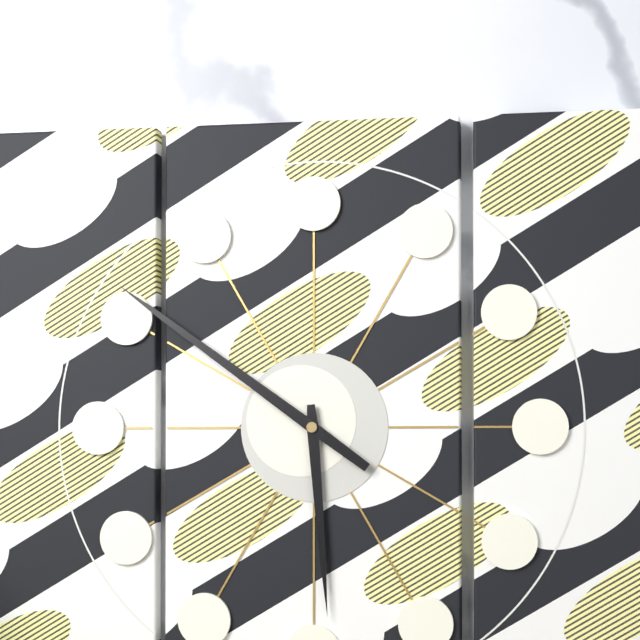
5:51
